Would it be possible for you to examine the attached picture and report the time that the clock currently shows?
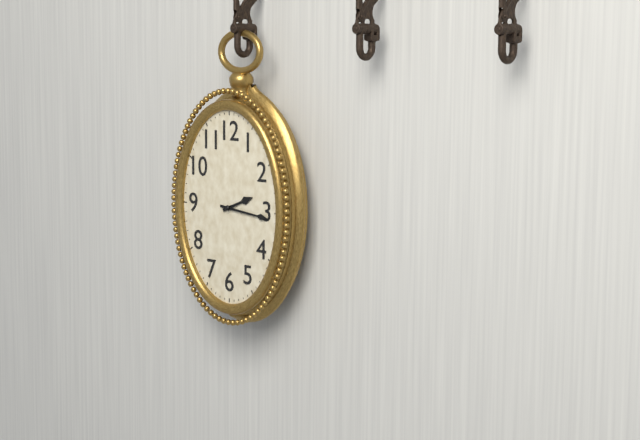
2:16
